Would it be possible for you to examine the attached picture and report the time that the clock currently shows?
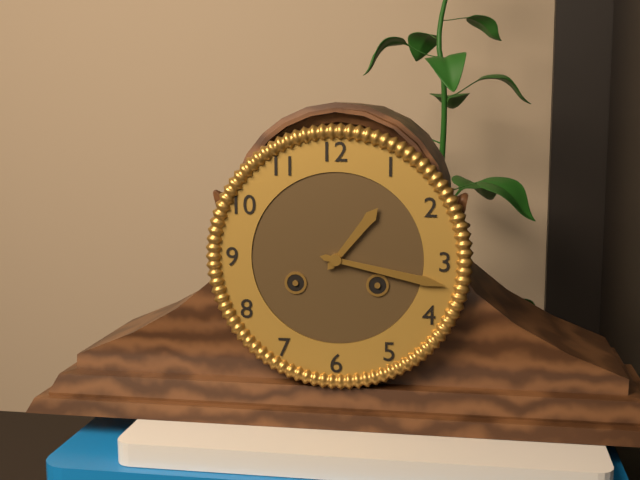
1:17
